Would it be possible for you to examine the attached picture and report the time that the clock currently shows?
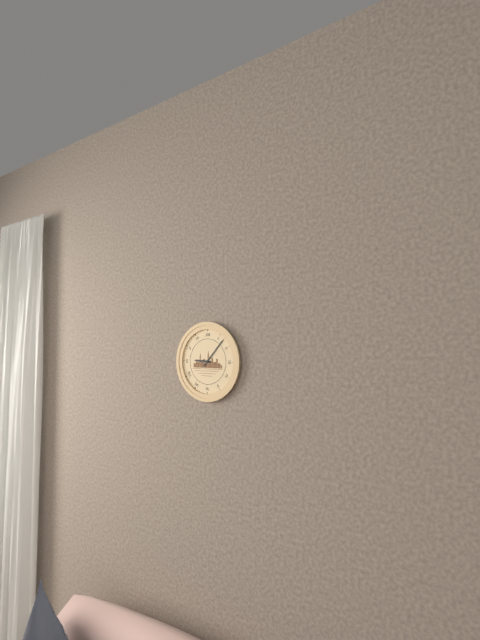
9:07
